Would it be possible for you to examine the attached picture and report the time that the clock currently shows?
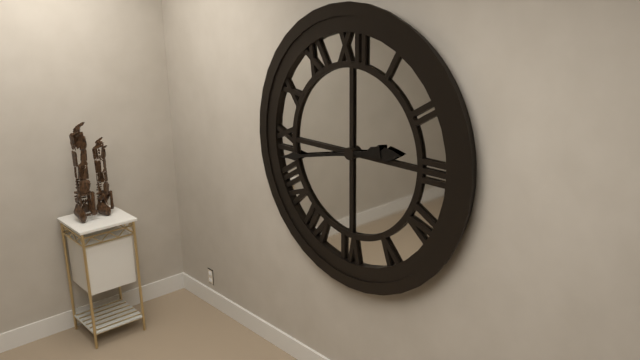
2:43
